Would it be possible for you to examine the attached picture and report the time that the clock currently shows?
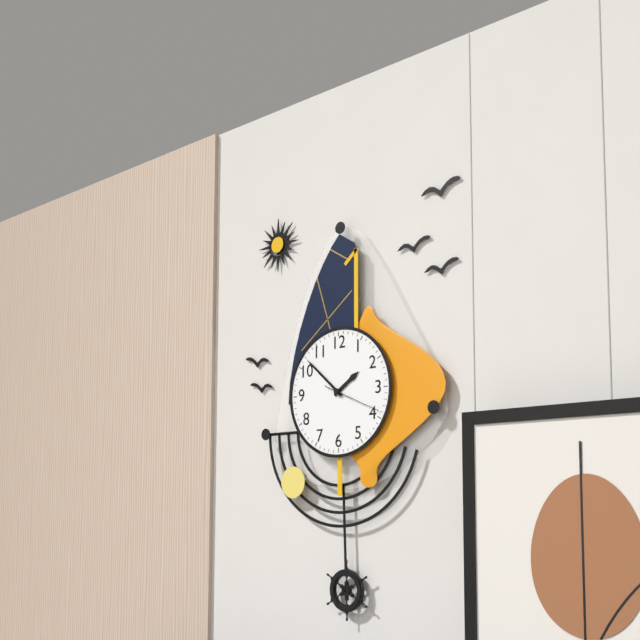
1:52:19
